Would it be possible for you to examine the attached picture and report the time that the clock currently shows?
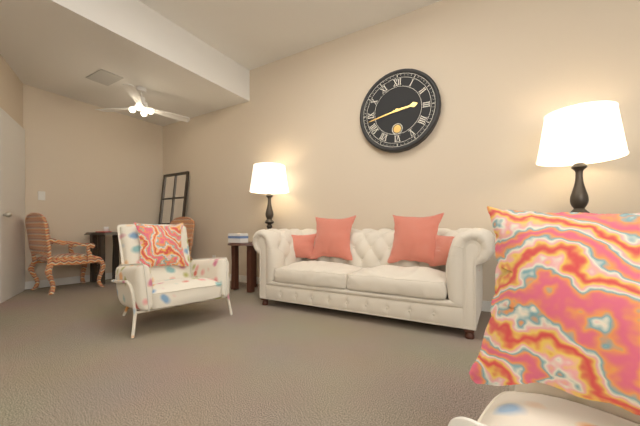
2:43
